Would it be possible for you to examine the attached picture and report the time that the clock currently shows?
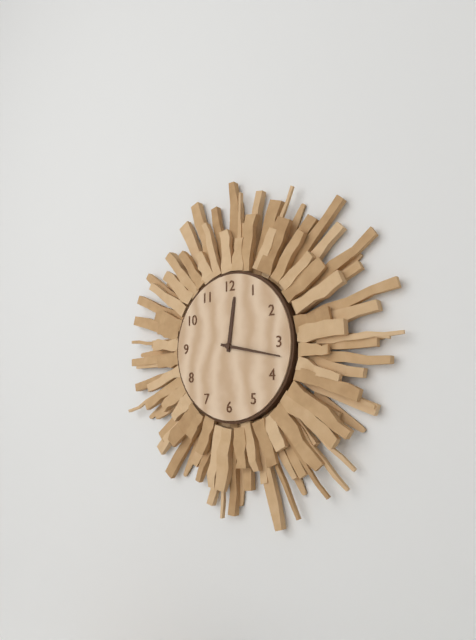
12:17
